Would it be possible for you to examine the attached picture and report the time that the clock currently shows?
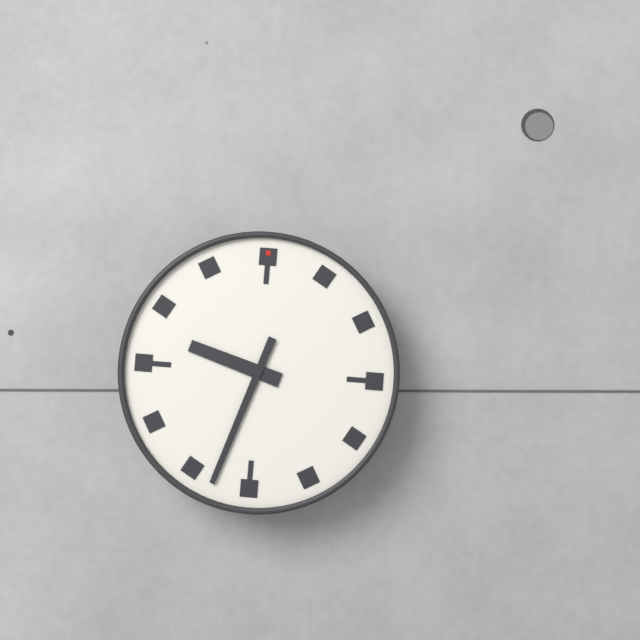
9:33
